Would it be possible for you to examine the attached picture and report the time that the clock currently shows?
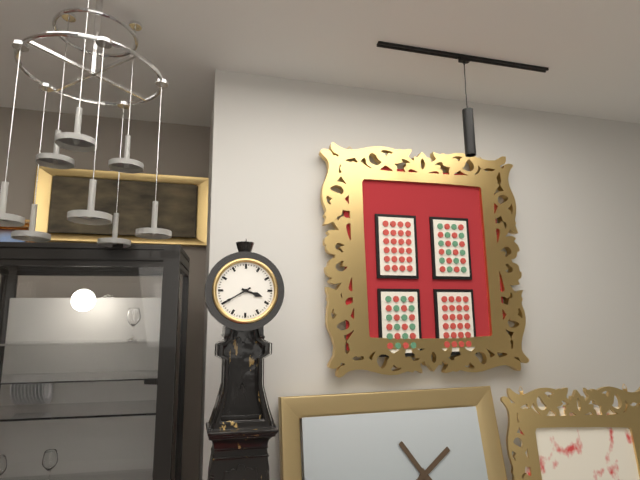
3:40
